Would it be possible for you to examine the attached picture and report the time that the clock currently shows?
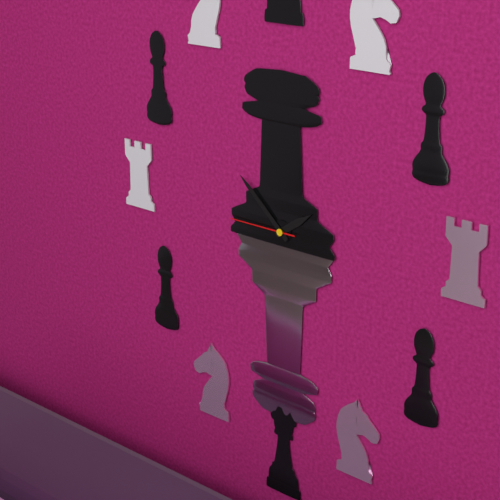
1:52:45
